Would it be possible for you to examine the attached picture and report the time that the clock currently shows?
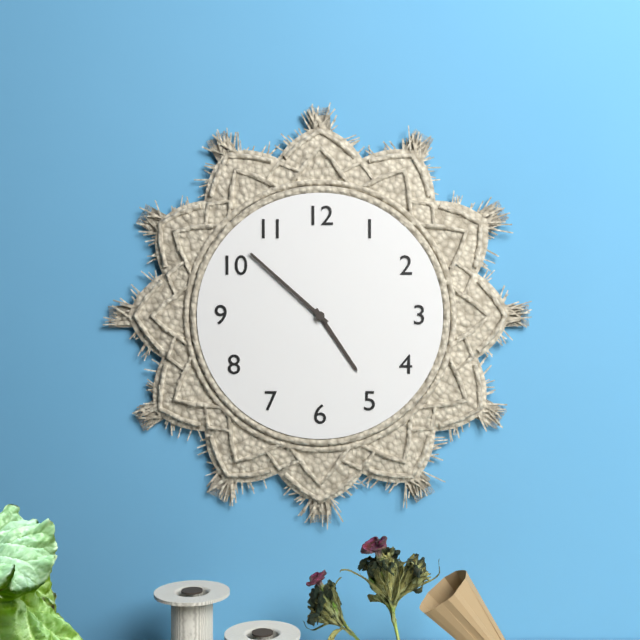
4:52
